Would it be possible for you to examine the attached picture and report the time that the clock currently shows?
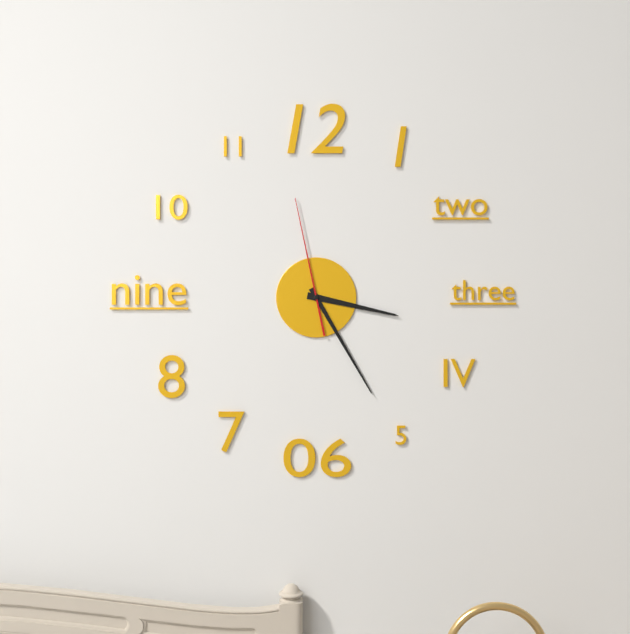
3:25:58
